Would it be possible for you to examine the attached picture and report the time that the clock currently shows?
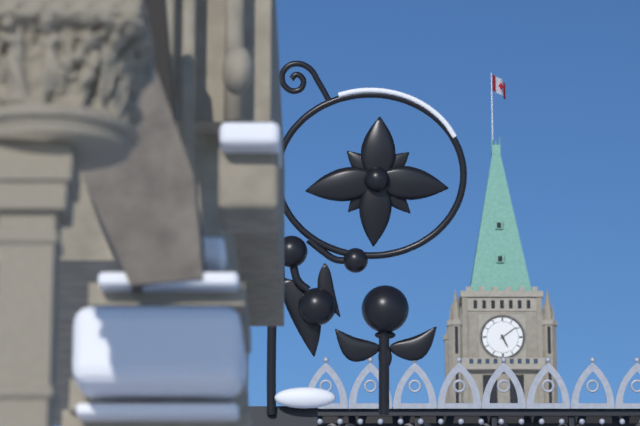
5:09
